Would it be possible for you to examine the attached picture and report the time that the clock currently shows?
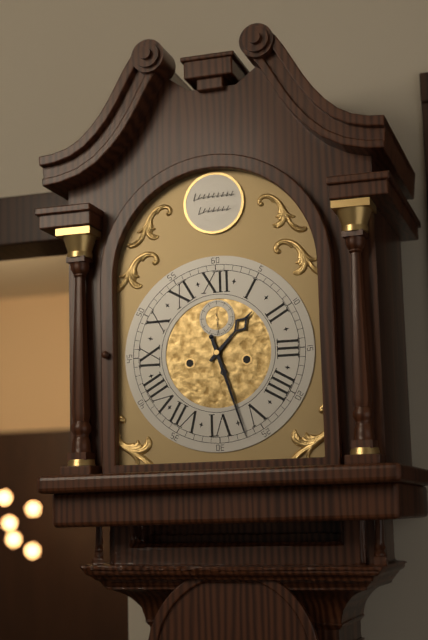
1:27
